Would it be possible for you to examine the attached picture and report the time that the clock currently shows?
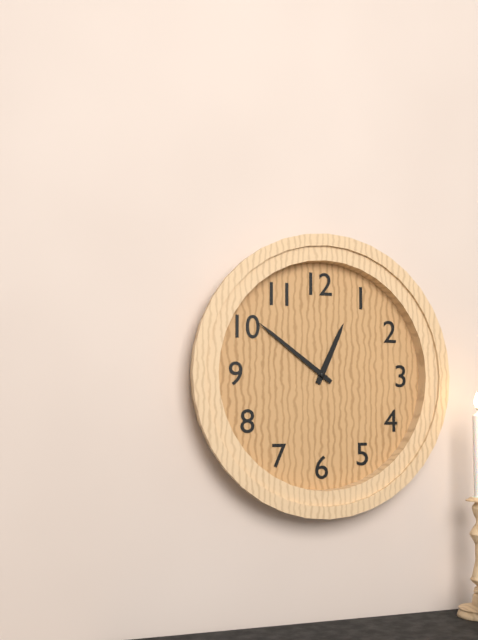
12:51
